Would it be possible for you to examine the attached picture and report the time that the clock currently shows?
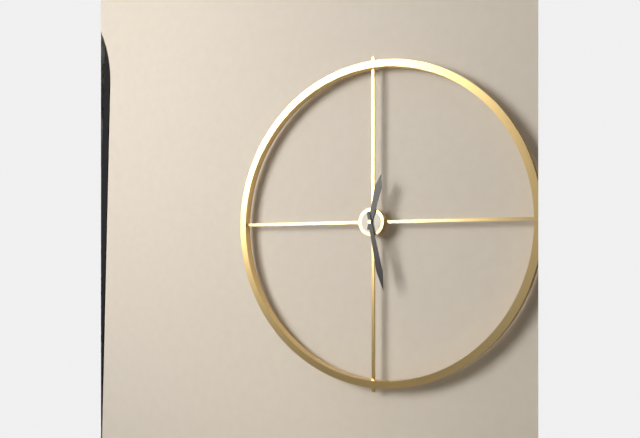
12:28
